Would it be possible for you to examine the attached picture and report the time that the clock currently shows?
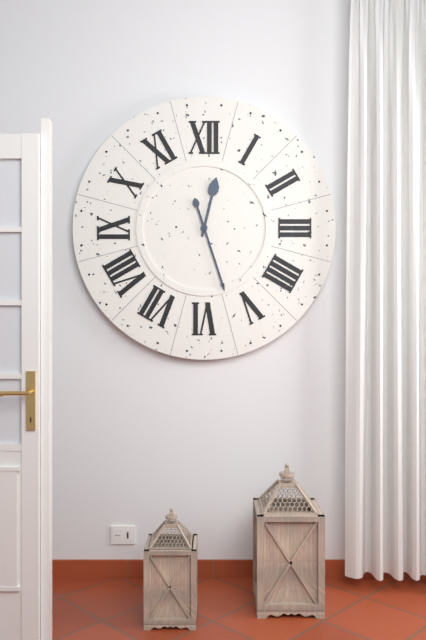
12:27
